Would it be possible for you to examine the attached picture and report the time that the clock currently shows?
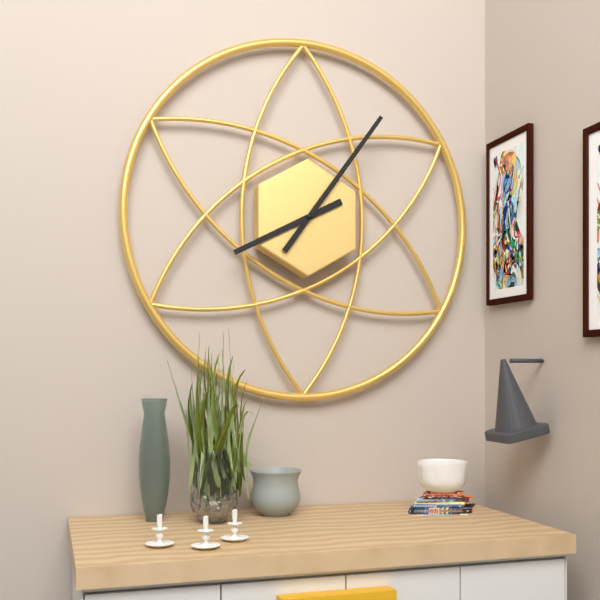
8:06
